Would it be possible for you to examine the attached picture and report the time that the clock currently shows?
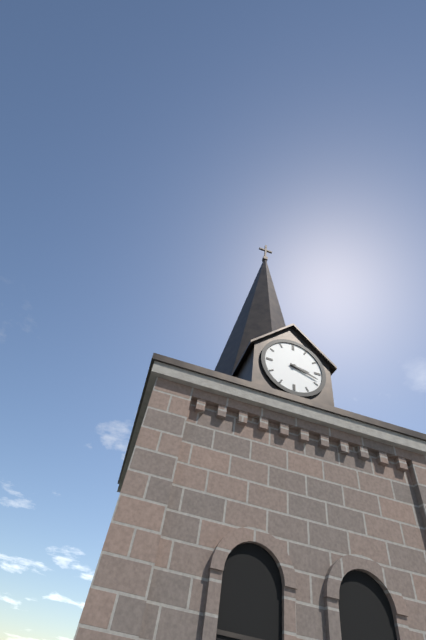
3:18
